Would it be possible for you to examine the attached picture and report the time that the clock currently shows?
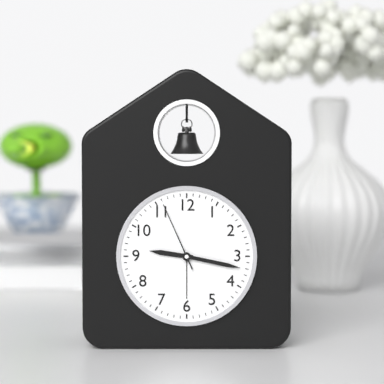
9:17:56
